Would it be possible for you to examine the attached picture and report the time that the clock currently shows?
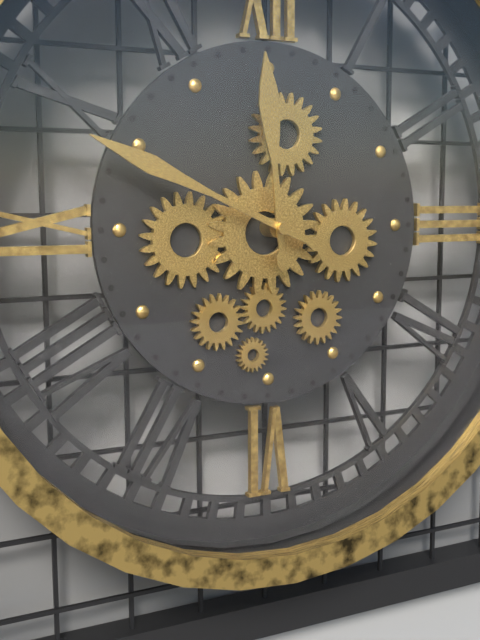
11:49
